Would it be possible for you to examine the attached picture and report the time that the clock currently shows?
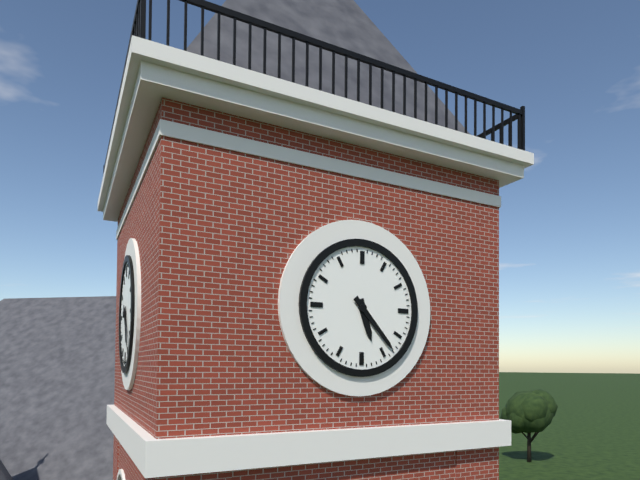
5:23
